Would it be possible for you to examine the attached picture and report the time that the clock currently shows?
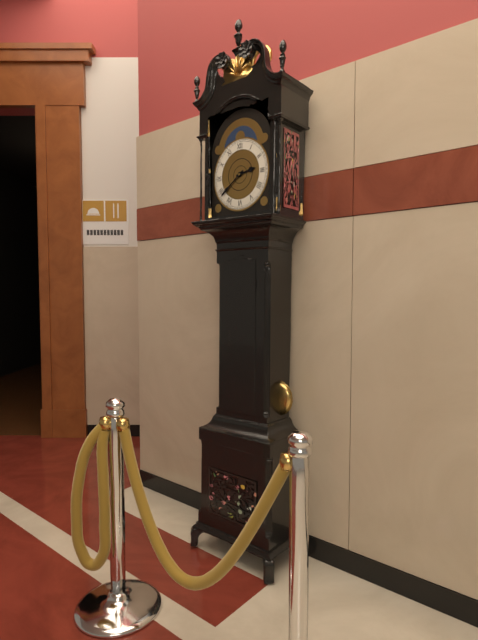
2:39
